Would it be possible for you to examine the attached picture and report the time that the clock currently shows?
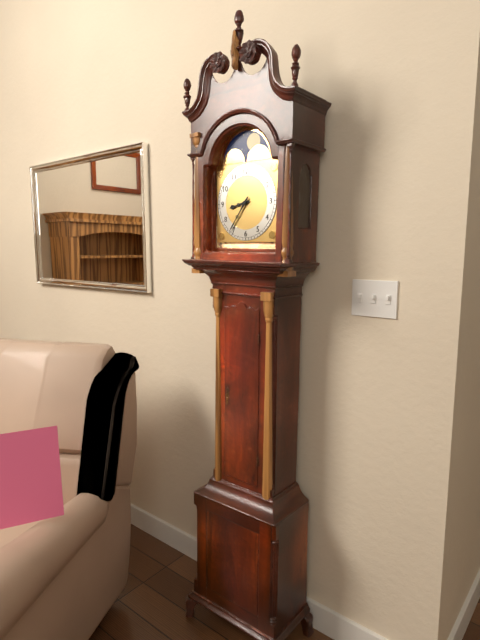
8:36
